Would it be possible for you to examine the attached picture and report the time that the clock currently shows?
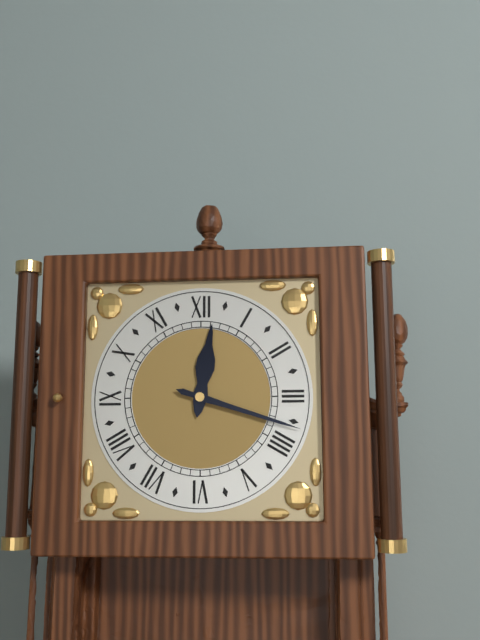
12:18
